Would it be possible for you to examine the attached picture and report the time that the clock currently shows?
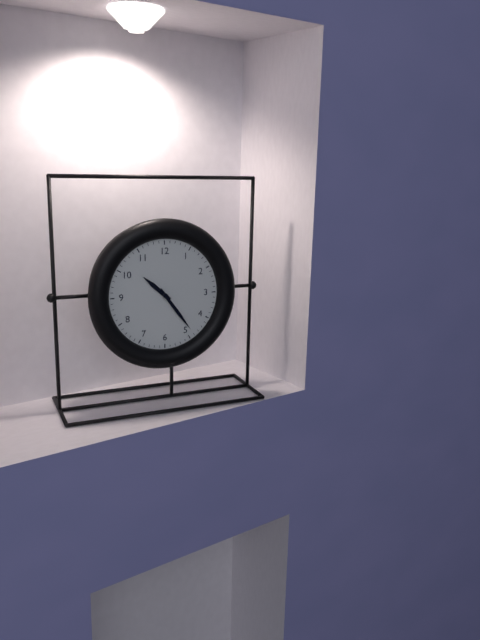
10:24
